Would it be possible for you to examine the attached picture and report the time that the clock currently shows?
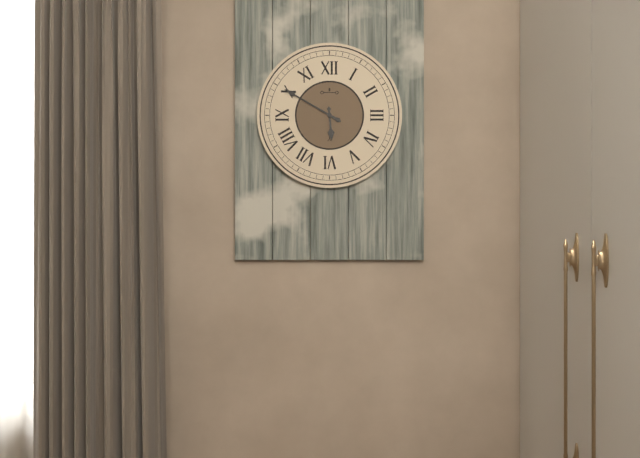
5:50
